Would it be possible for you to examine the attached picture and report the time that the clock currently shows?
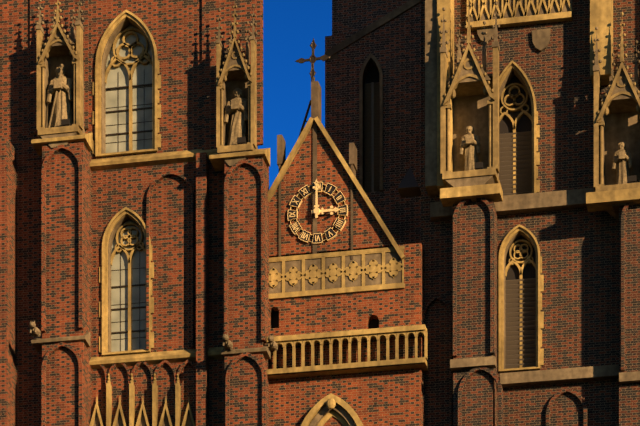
3:00
